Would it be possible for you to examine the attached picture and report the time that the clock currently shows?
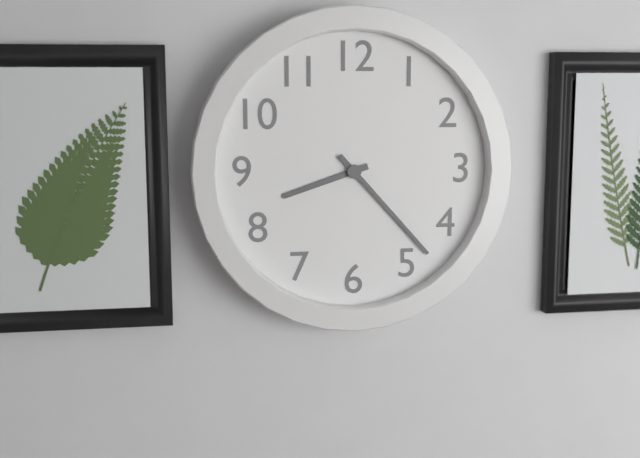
8:23
